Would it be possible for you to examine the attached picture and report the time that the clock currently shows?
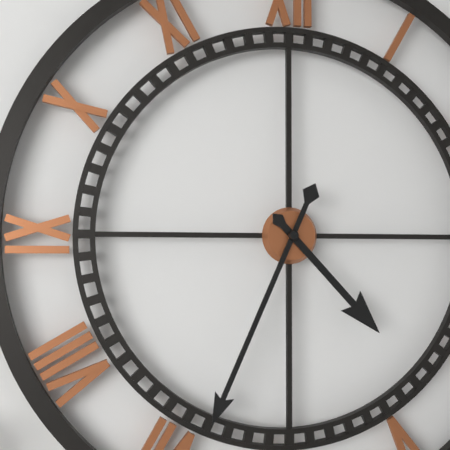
4:34
